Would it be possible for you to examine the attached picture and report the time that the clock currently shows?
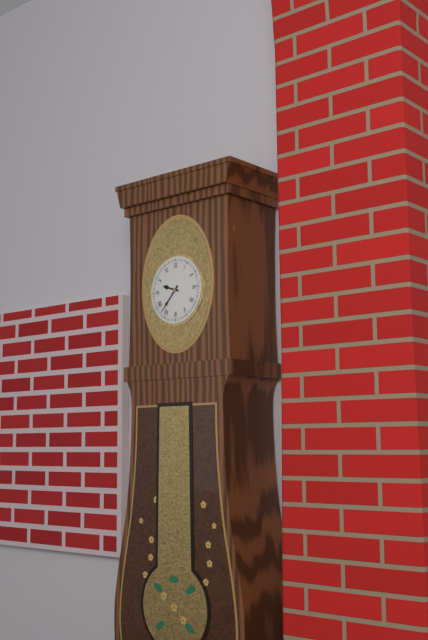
9:37
